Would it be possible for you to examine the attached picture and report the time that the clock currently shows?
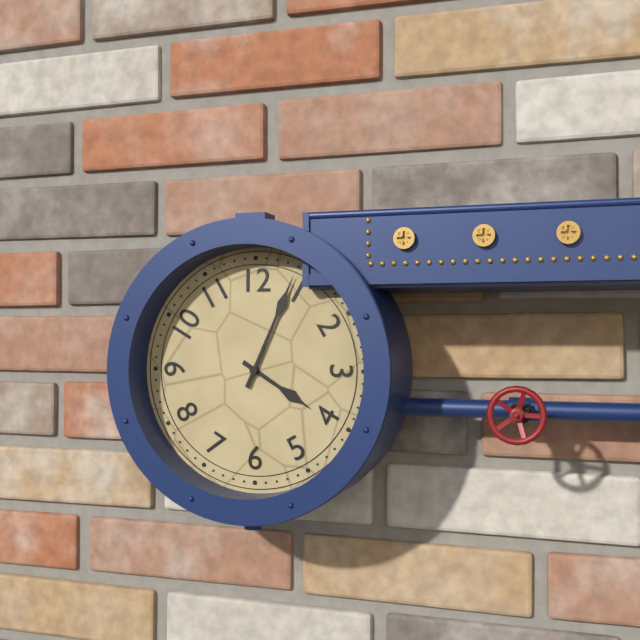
4:04
